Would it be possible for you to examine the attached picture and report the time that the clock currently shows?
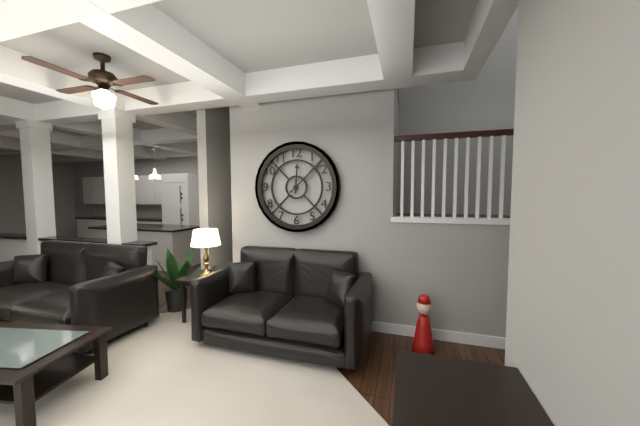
12:08
